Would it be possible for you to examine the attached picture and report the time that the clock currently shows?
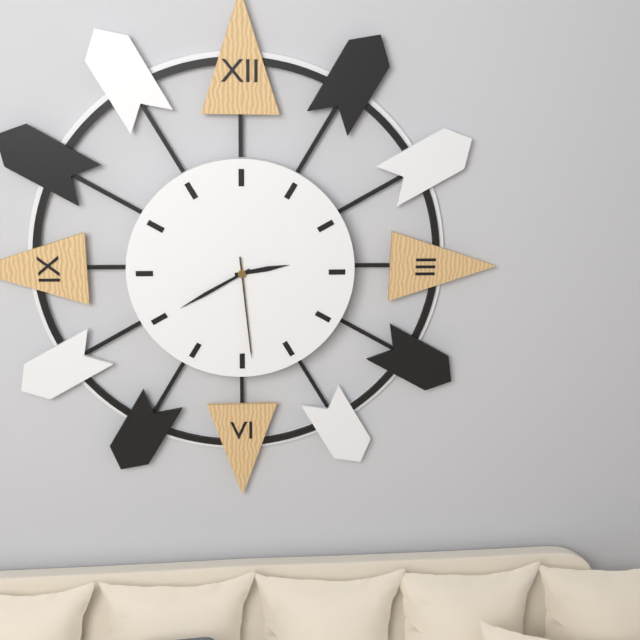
2:40:29
